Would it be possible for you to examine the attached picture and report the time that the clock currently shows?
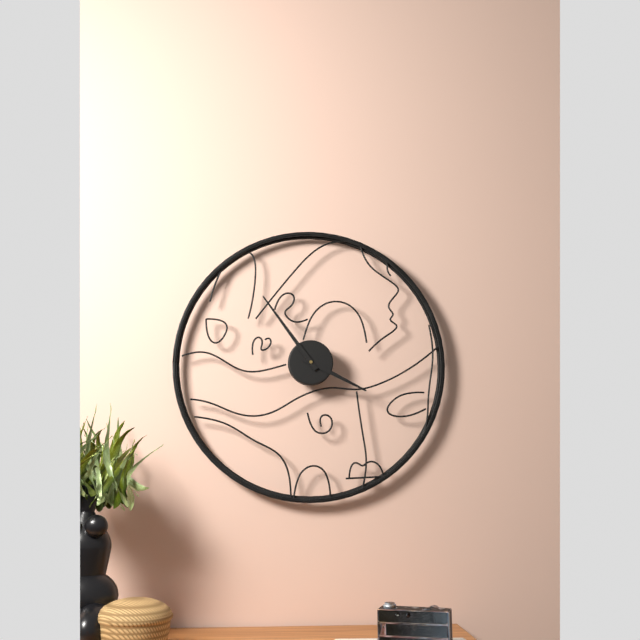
3:54
